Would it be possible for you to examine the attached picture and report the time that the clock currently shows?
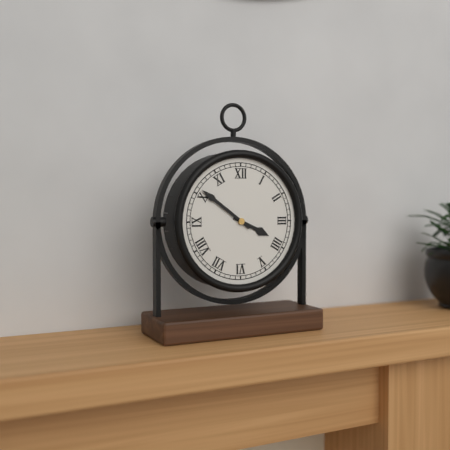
3:51
